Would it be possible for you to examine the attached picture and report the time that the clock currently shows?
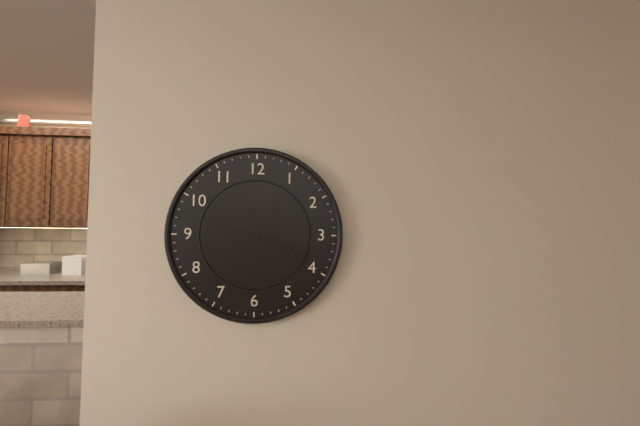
9:19
